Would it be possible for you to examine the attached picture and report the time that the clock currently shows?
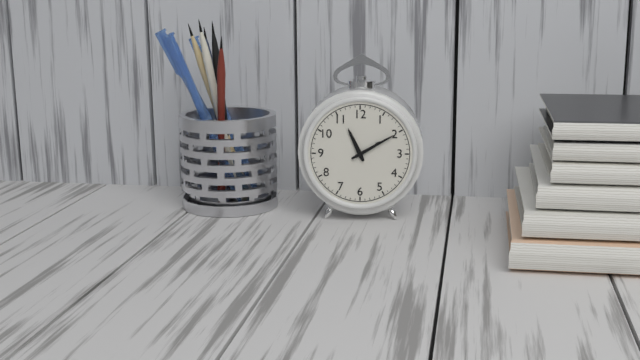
11:10
